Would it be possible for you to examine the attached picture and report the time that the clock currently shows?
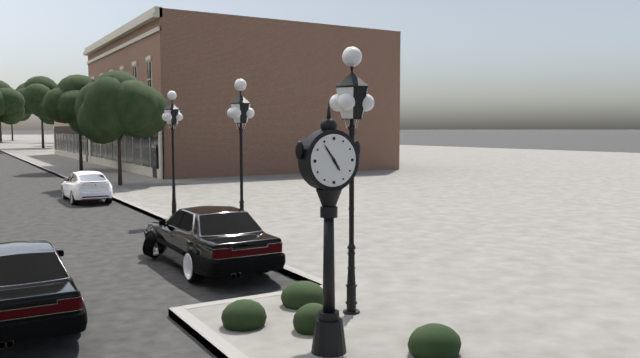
4:54
